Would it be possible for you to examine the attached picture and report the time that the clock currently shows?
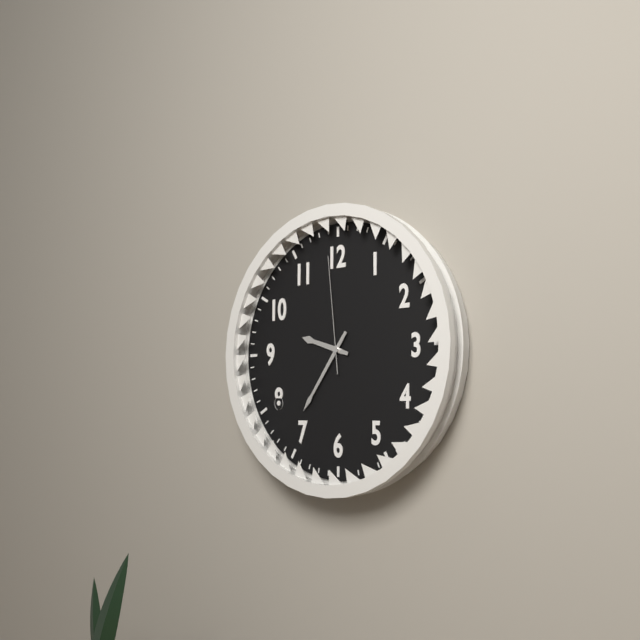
9:36:59
